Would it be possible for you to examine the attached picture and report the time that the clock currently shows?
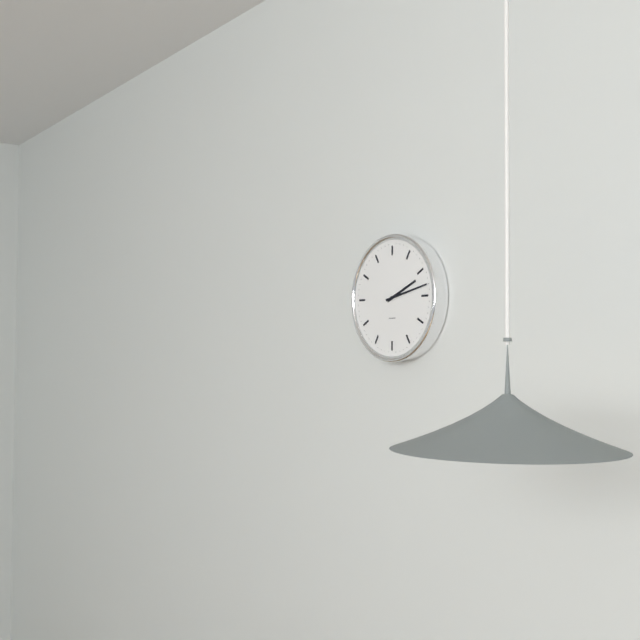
2:13
